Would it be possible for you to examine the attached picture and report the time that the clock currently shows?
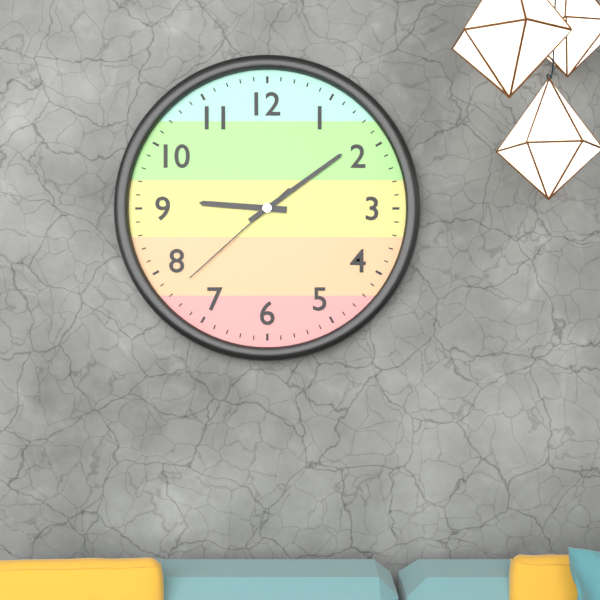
9:09:38
